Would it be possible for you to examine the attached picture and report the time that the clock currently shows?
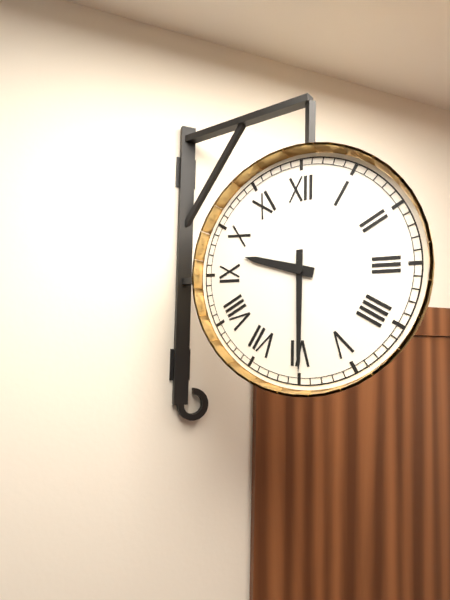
9:30
